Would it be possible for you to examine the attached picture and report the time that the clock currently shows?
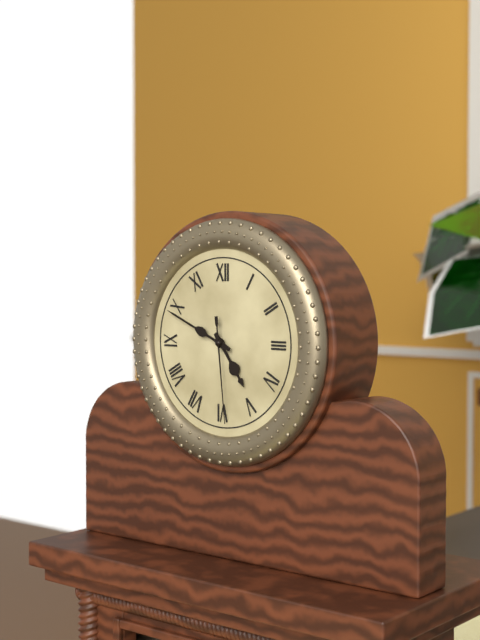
4:49:29
